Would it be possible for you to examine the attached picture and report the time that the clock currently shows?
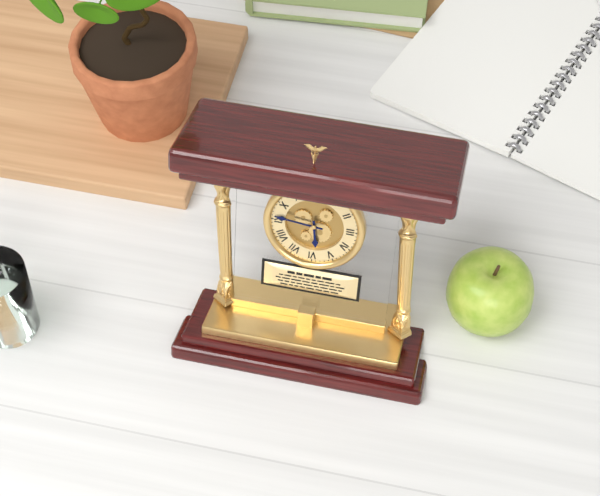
5:46
